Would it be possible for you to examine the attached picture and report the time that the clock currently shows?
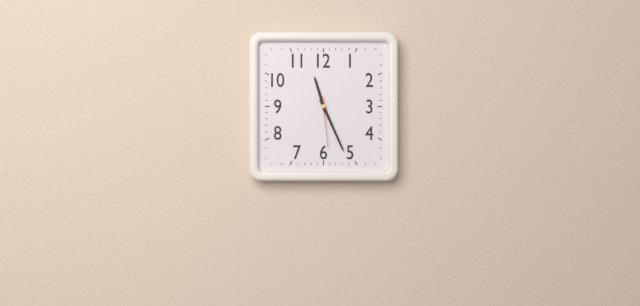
11:26:29
